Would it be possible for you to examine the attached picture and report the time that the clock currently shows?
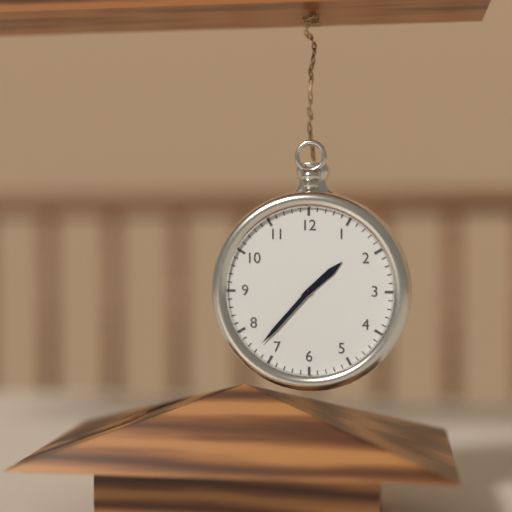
1:37
